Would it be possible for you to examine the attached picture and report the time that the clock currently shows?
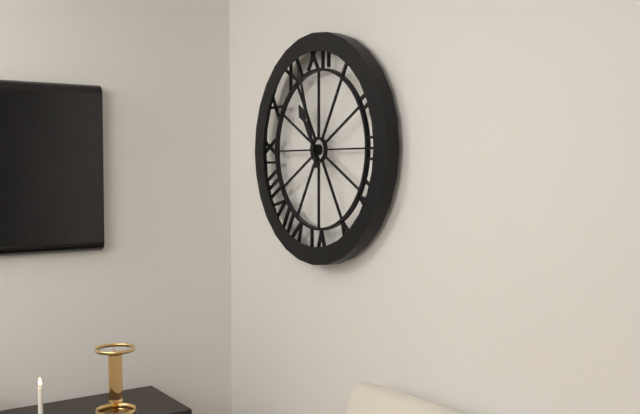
10:57
